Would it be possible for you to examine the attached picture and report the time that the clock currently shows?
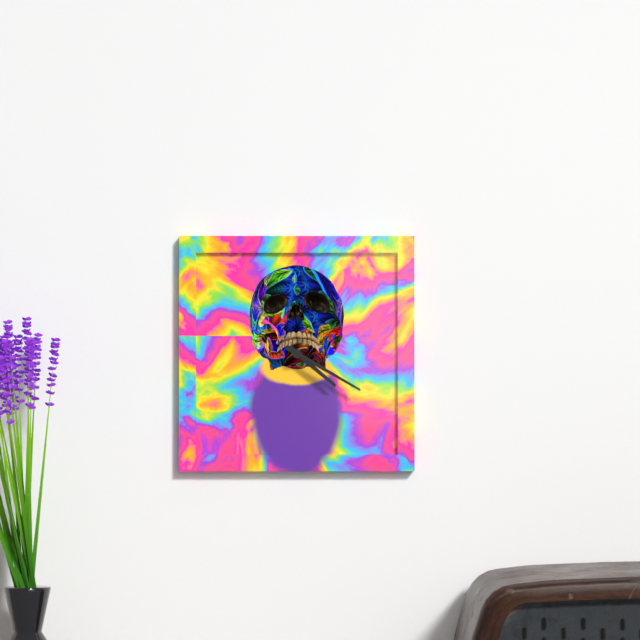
4:20
